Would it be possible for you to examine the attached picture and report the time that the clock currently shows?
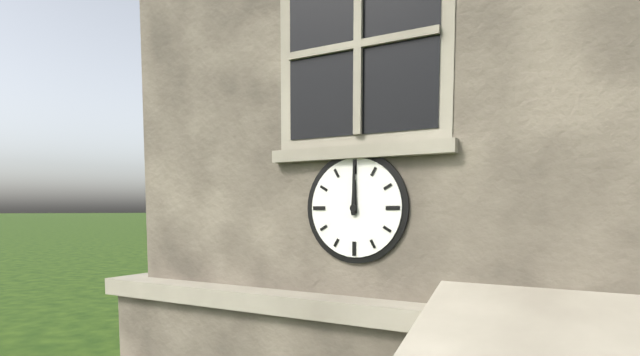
12:00
